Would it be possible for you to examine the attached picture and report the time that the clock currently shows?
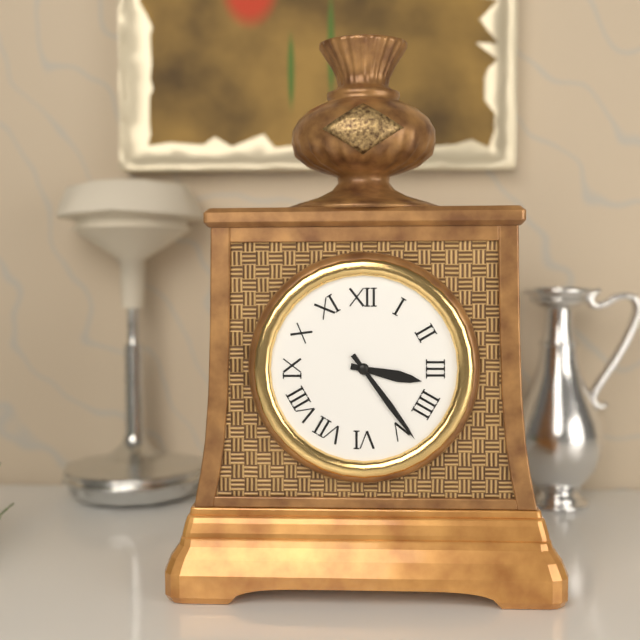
3:24
